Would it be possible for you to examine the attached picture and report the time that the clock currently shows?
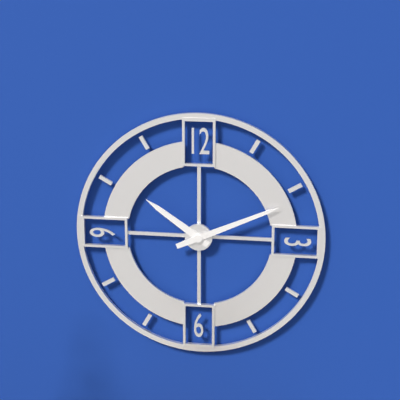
10:11
